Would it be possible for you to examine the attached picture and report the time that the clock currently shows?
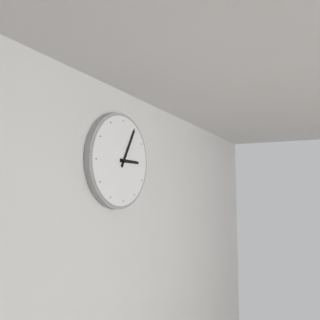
3:05
